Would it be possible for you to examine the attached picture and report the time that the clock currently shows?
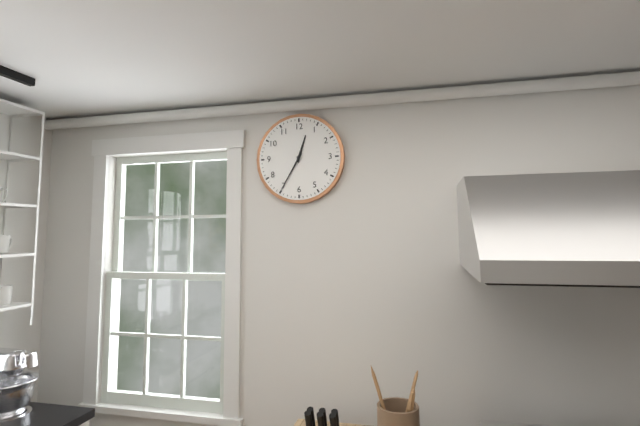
12:35
